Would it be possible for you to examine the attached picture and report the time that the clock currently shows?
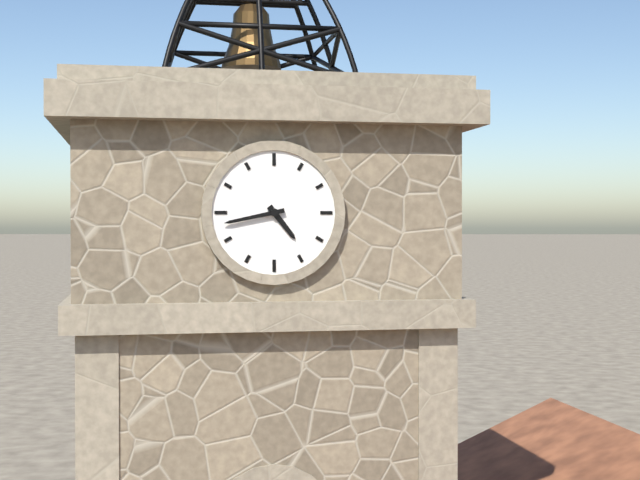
4:43
